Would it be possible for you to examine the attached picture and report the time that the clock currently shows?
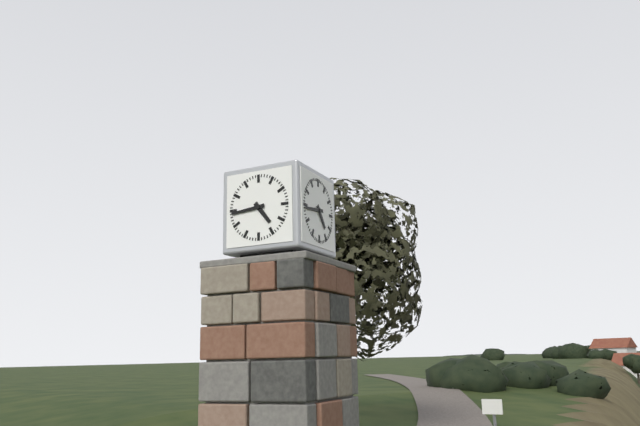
4:44
